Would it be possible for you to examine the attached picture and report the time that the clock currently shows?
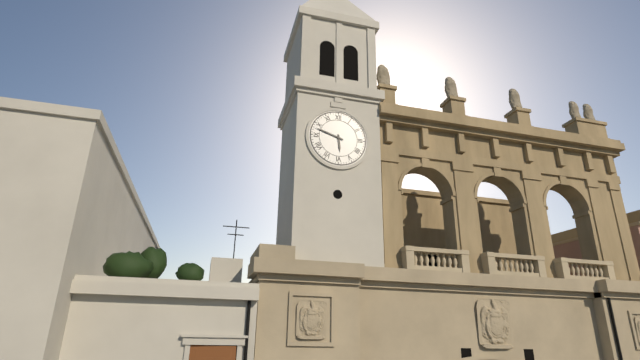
5:48
